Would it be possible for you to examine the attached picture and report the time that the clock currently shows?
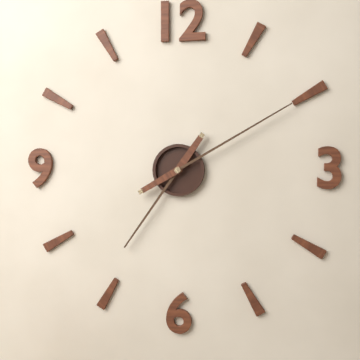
7:10
